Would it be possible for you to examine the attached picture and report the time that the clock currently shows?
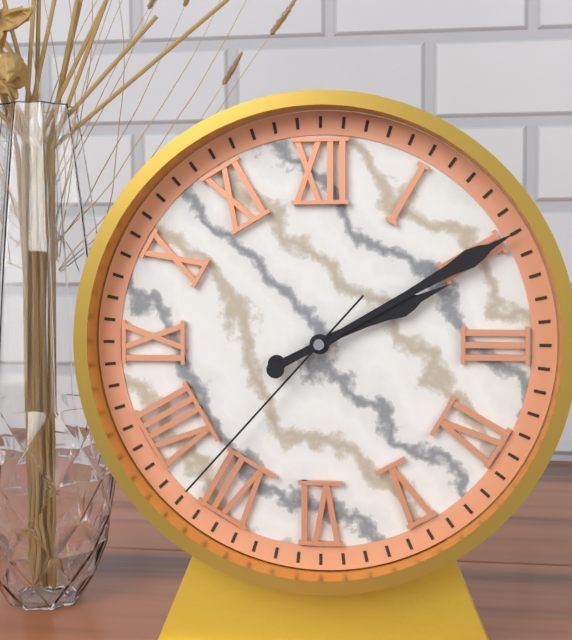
2:10:37
